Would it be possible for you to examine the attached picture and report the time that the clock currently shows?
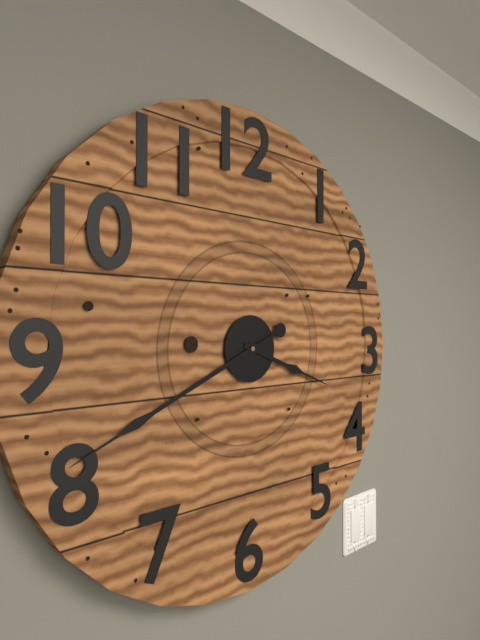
3:41
